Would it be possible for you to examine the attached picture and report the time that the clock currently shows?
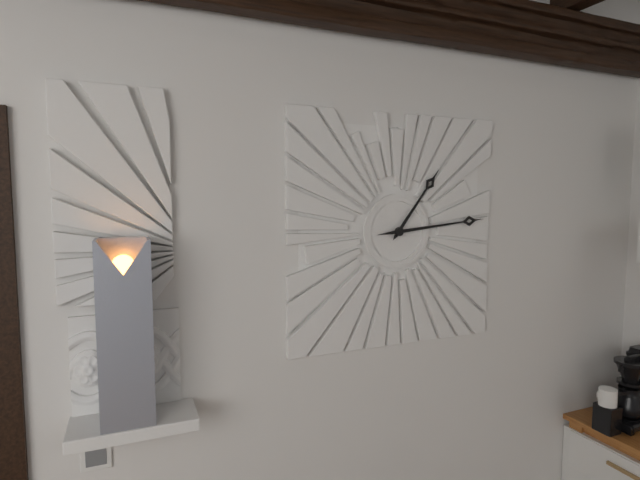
1:14
